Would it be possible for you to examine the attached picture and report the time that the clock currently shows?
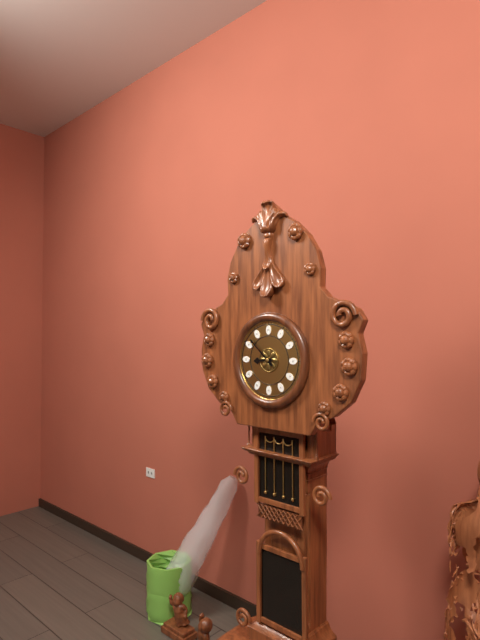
8:52
